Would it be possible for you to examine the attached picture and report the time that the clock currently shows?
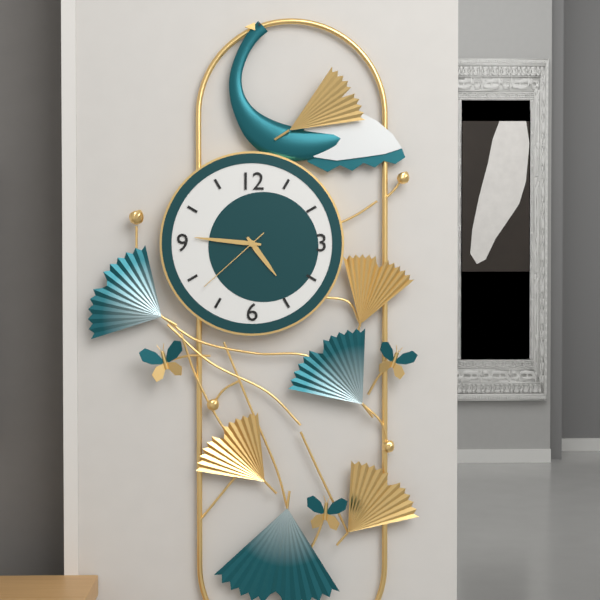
4:46:38
